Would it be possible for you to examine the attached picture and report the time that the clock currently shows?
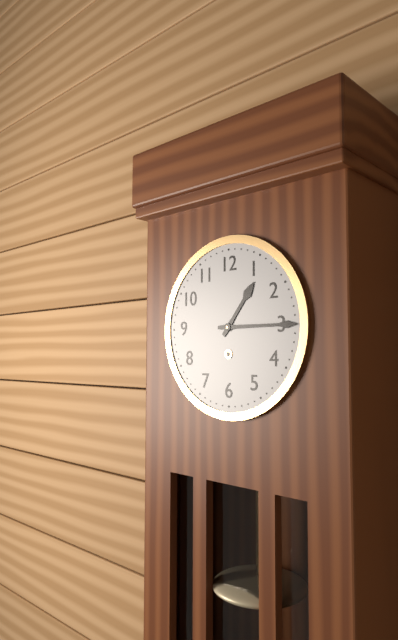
1:15
